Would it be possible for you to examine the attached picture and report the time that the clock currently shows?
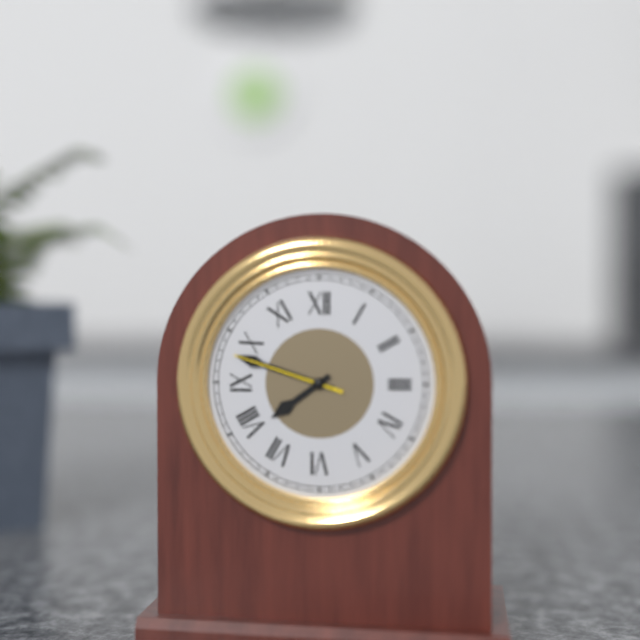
7:48:48
